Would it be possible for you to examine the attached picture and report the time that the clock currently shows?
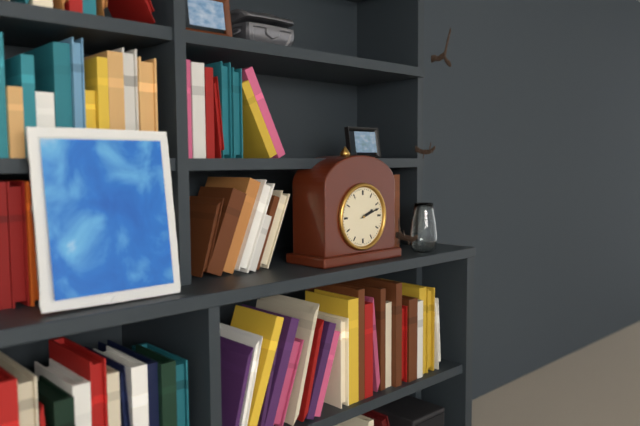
2:12
